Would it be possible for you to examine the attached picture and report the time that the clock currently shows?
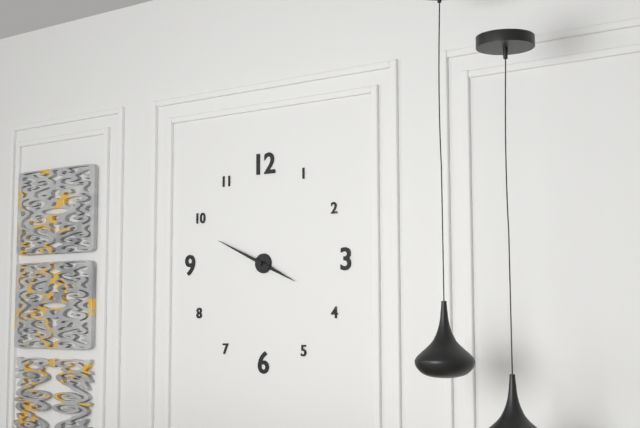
3:49
